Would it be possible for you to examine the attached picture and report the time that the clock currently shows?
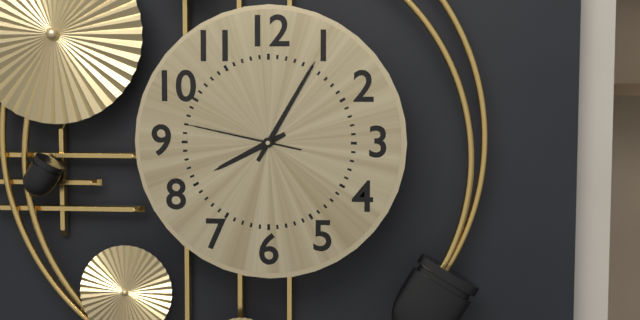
8:05:47
